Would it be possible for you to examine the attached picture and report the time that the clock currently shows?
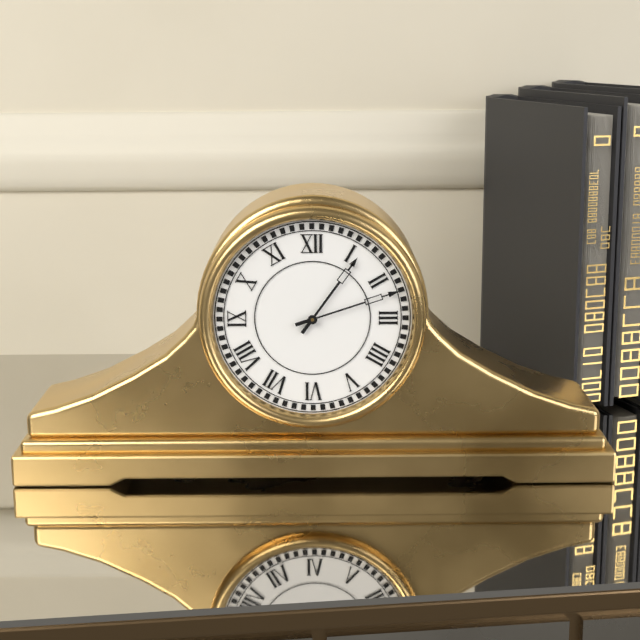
1:12
